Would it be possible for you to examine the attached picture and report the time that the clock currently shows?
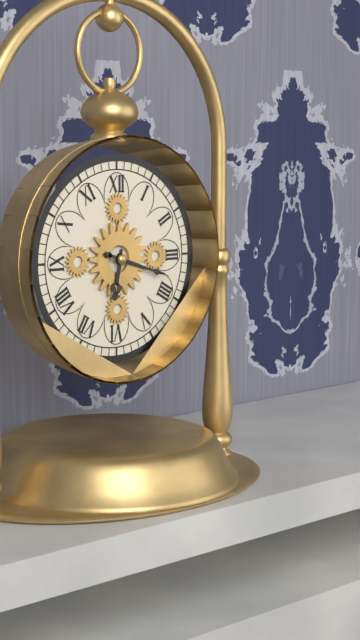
6:18
